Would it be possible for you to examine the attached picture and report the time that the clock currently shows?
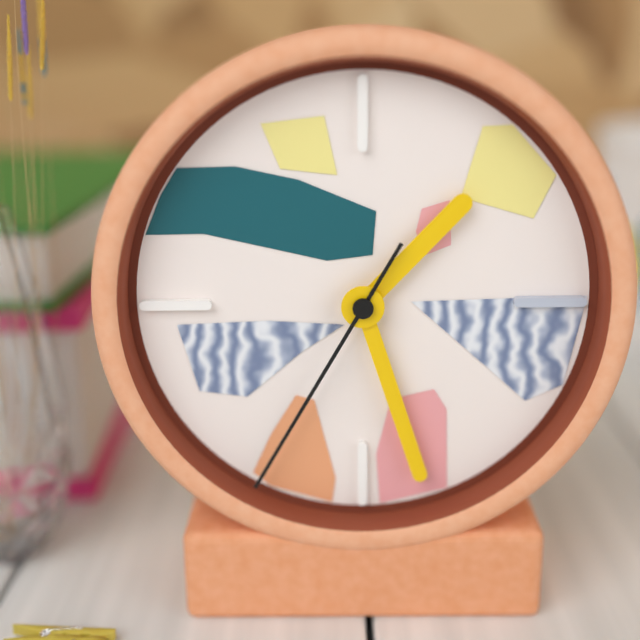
1:27:35
